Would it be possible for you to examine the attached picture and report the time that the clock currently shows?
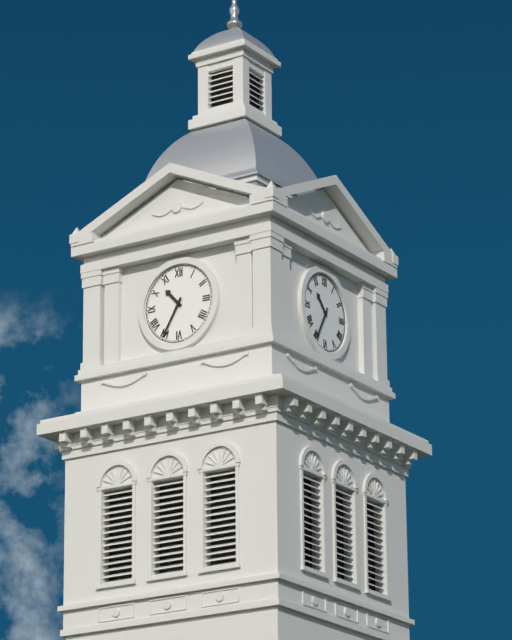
10:35
